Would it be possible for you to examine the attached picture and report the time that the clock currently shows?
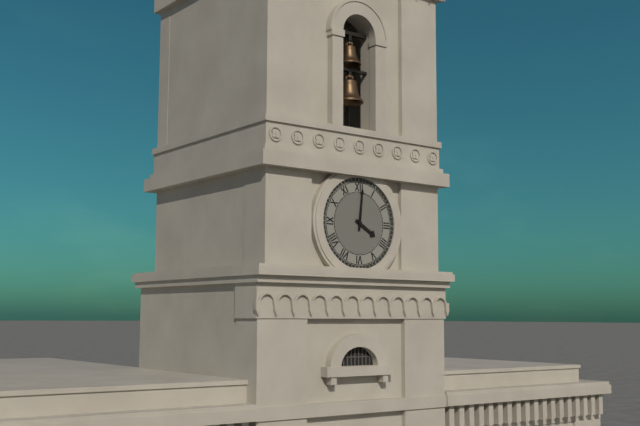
4:01
